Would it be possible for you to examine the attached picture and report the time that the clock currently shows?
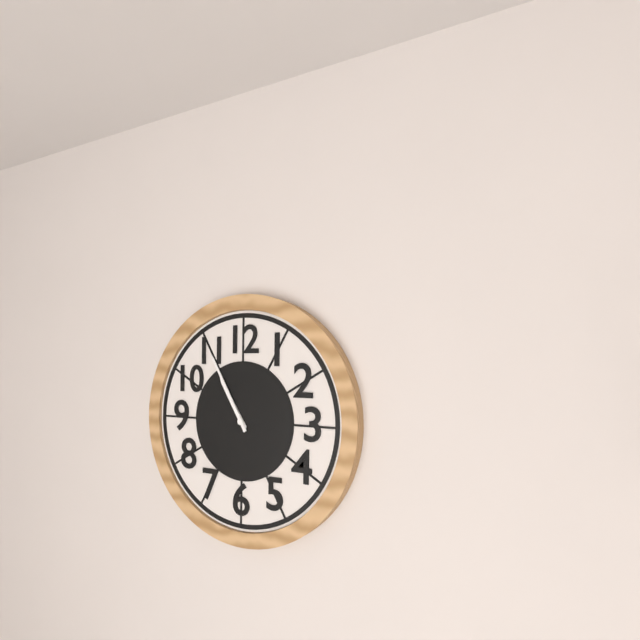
10:55
